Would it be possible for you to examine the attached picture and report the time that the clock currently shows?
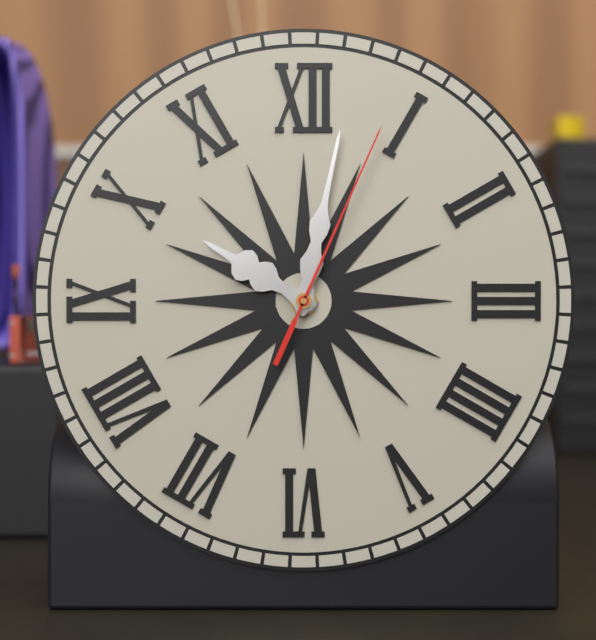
10:02:04
